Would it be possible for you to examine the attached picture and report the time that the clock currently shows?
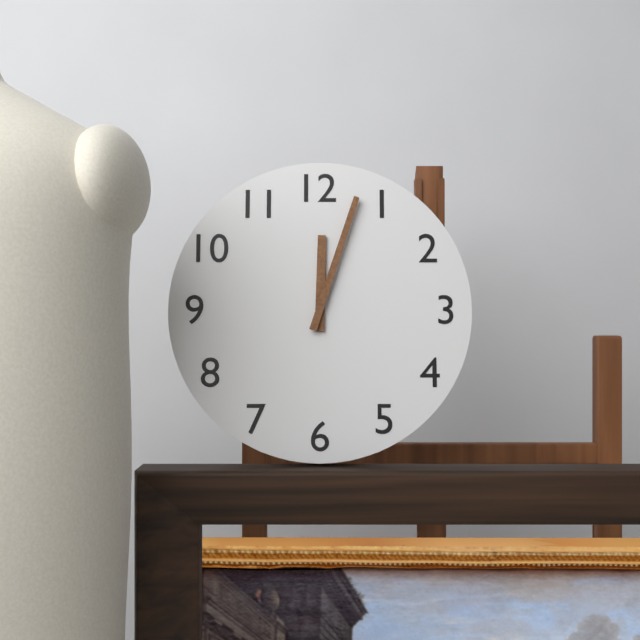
12:03
